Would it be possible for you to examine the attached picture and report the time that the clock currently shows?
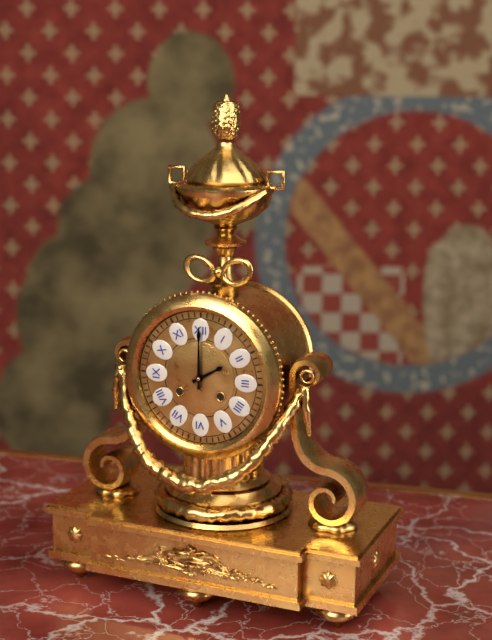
2:00
